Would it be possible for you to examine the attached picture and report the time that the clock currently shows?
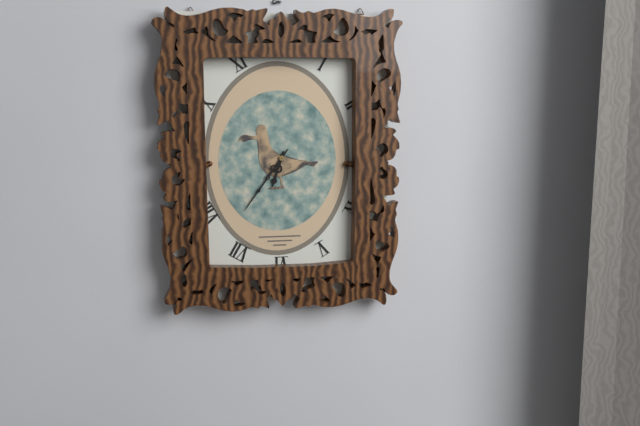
6:36
